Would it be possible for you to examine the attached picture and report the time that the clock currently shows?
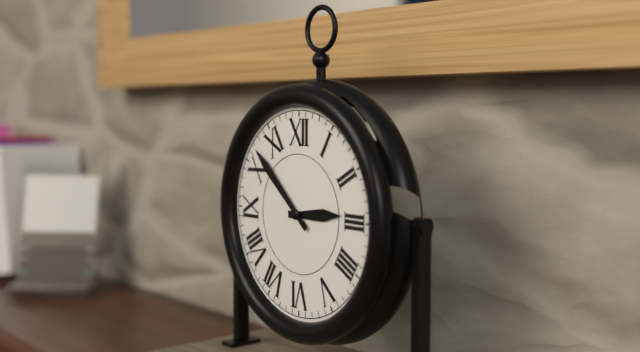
2:52
